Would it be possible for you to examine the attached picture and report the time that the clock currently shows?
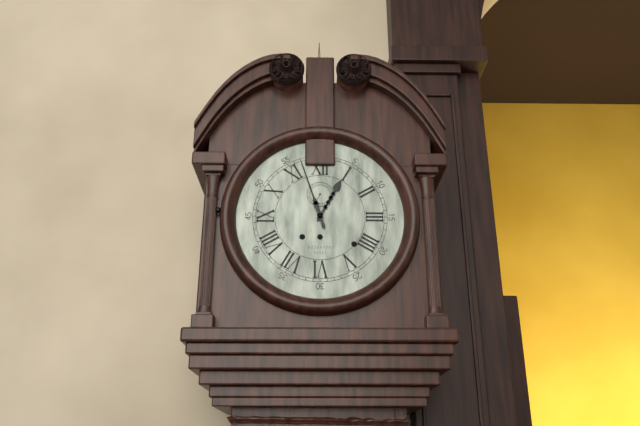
12:57
